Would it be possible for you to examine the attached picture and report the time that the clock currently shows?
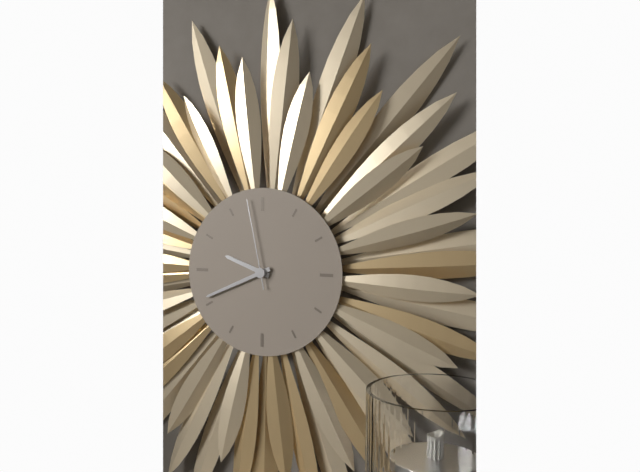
9:41:58
